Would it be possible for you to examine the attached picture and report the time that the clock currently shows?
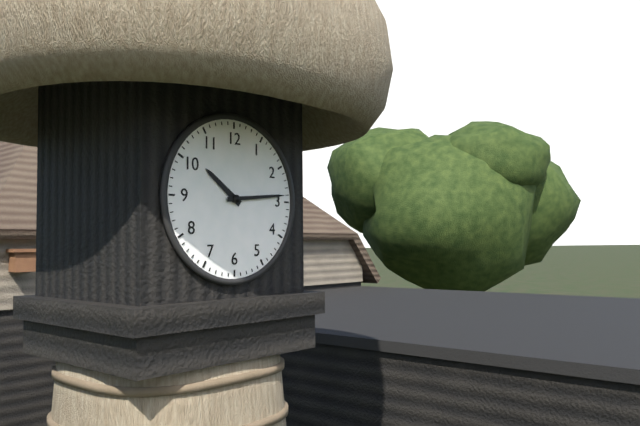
10:14
